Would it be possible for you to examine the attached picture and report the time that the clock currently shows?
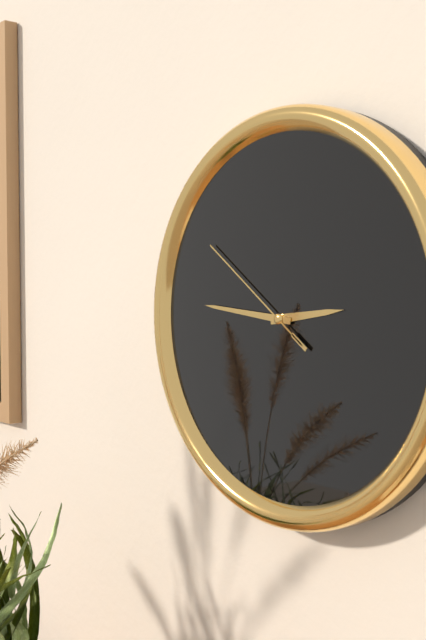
2:46:51
